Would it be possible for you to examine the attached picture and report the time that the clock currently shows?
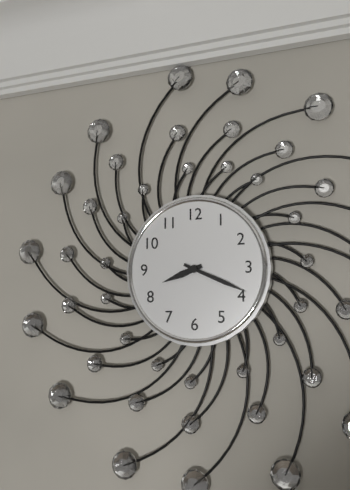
8:19
